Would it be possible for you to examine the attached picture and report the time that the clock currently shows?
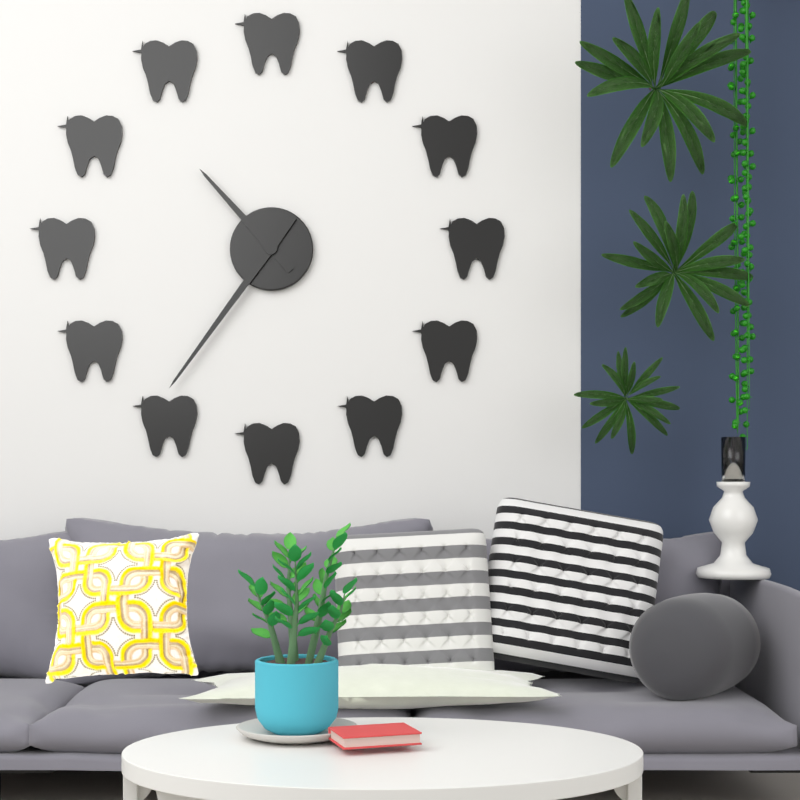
10:36
